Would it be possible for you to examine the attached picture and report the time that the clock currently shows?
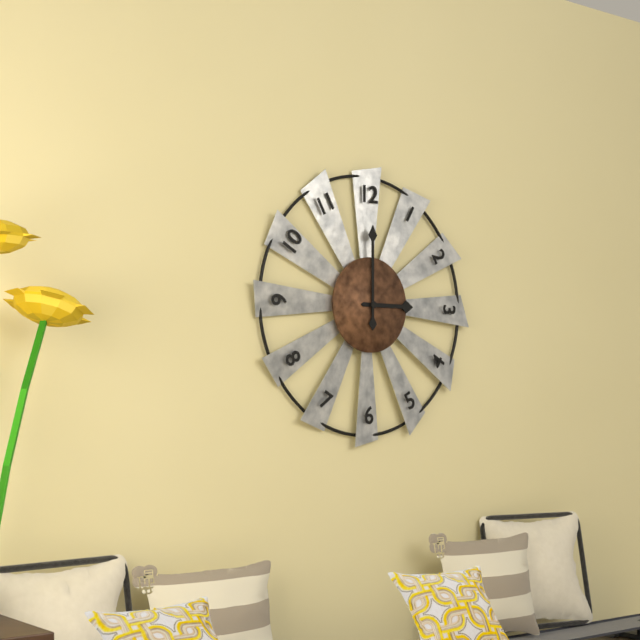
3:00
